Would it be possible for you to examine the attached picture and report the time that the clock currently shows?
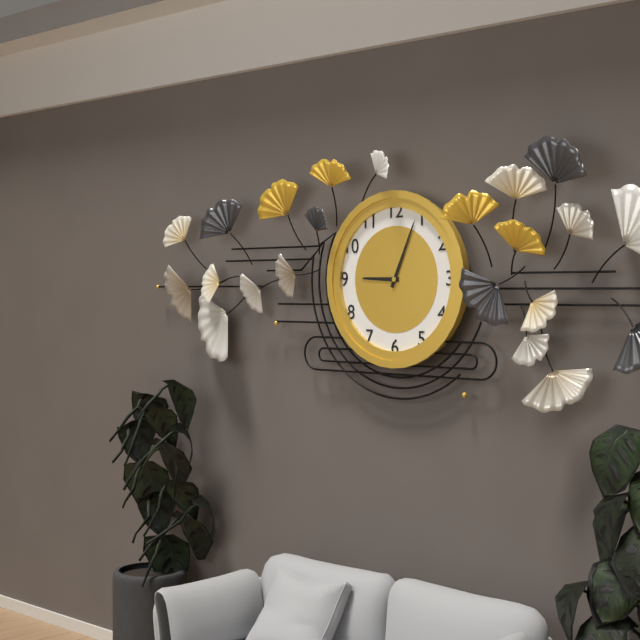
9:04
